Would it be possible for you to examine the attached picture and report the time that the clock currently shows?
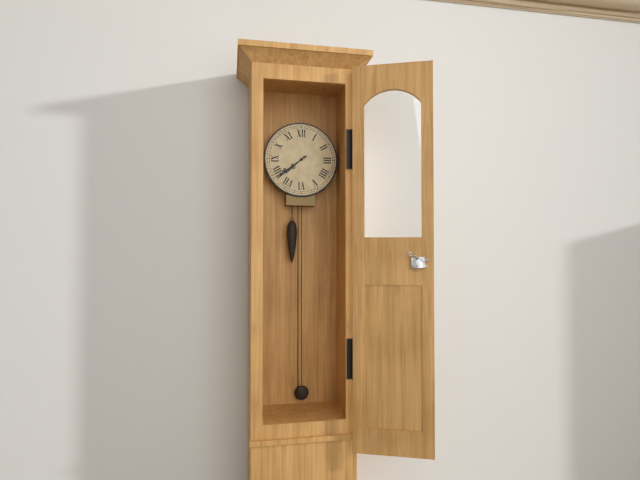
7:39
